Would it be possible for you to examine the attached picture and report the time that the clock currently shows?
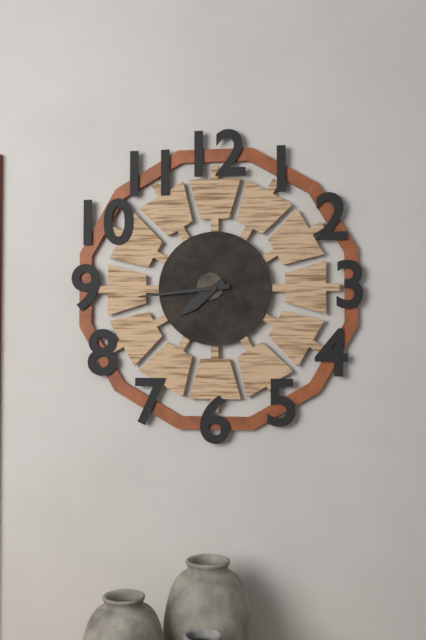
7:44
